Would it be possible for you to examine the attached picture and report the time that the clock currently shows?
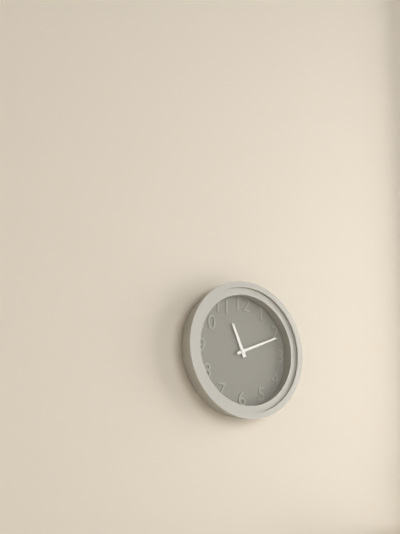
11:11
